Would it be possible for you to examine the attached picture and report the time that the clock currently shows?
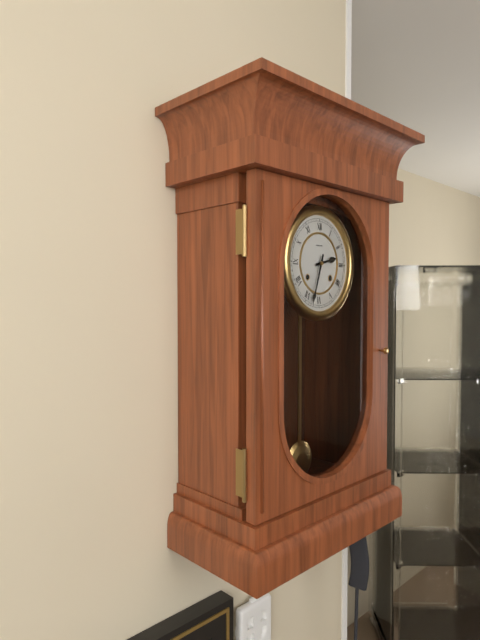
2:33
